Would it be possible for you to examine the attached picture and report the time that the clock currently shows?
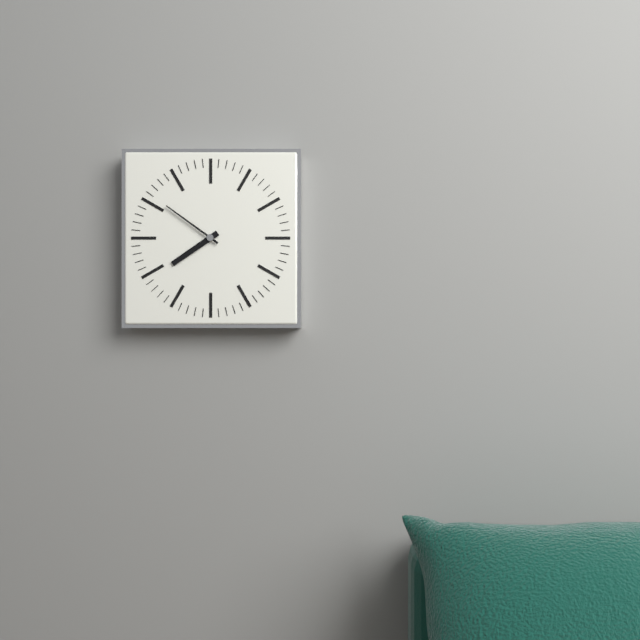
7:51
